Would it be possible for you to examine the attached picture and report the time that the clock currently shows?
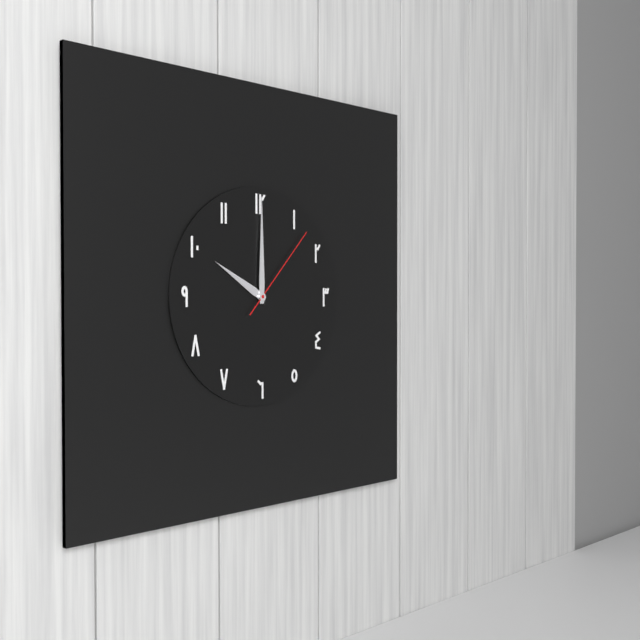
10:00:07
